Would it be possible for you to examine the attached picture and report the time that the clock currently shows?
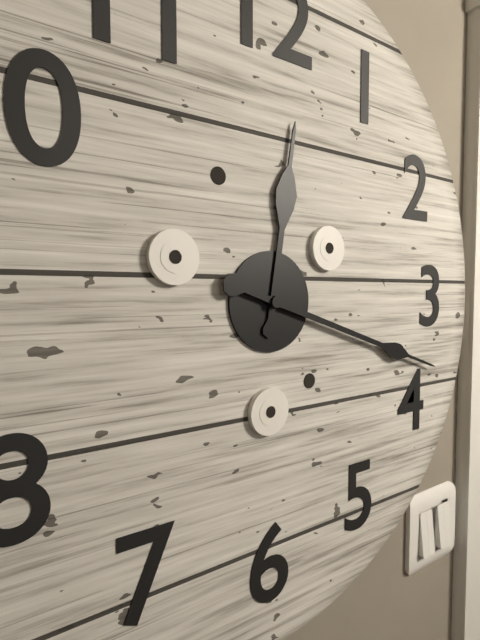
12:18
